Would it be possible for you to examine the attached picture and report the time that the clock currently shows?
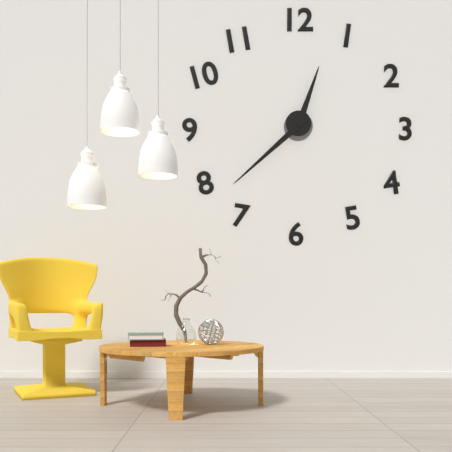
12:38
